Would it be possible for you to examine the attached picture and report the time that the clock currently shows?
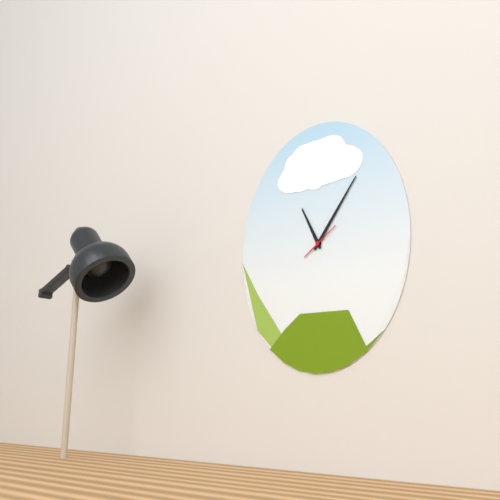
11:06
